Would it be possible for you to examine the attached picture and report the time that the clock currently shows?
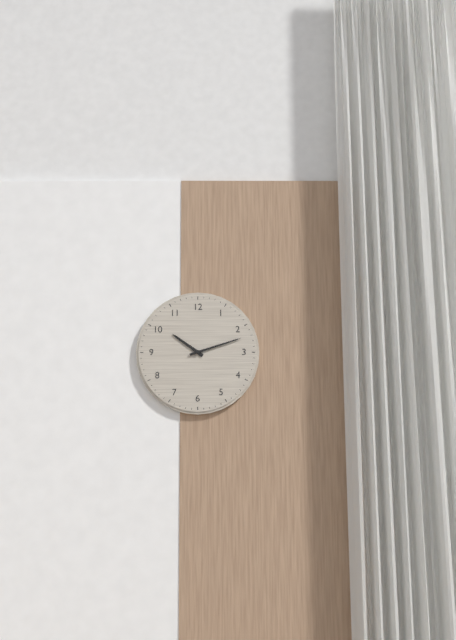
10:12
